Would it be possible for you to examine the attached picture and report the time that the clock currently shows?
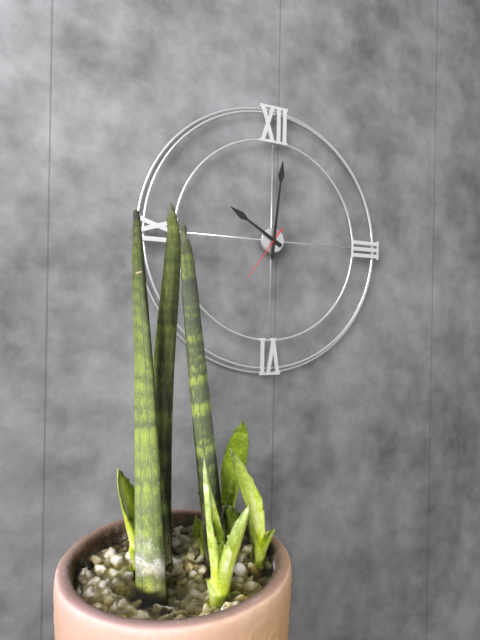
10:01:36
